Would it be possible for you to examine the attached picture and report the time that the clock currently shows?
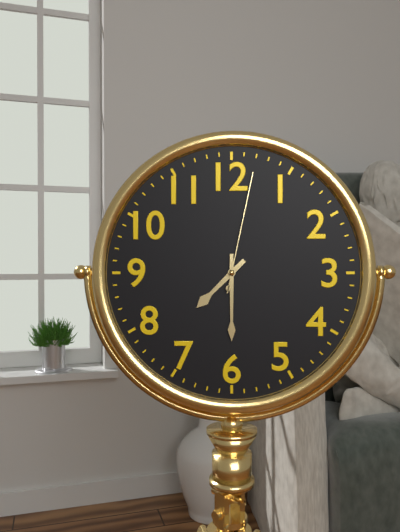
7:30:02
